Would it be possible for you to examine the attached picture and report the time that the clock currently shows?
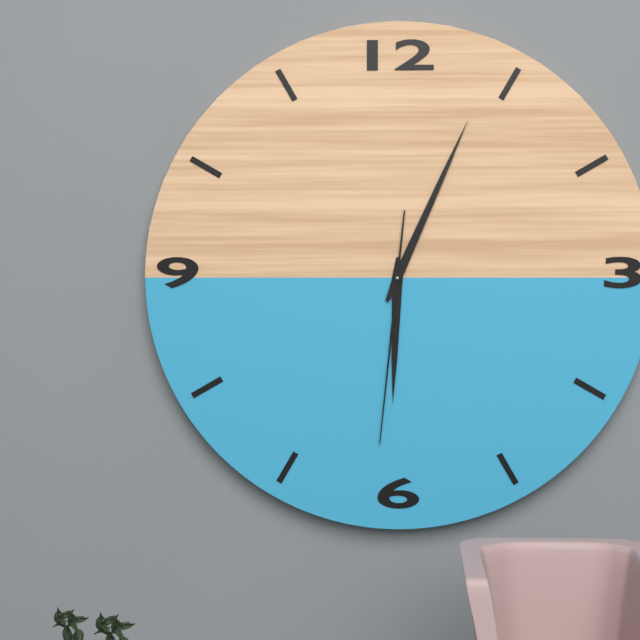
6:04:31
